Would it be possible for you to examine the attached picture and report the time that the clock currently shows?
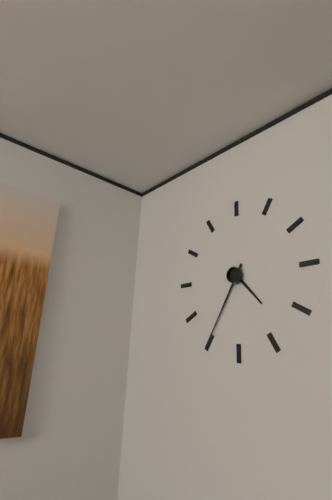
4:35
